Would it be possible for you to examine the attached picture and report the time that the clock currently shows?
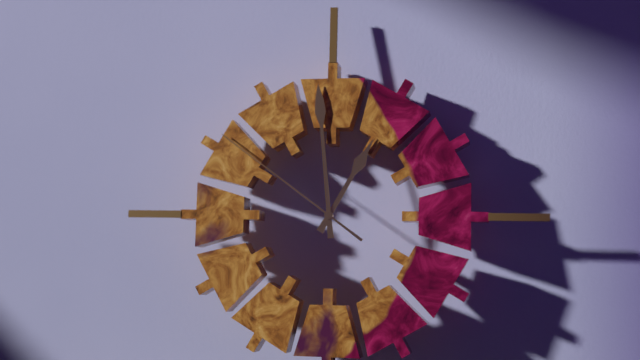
12:59:51
